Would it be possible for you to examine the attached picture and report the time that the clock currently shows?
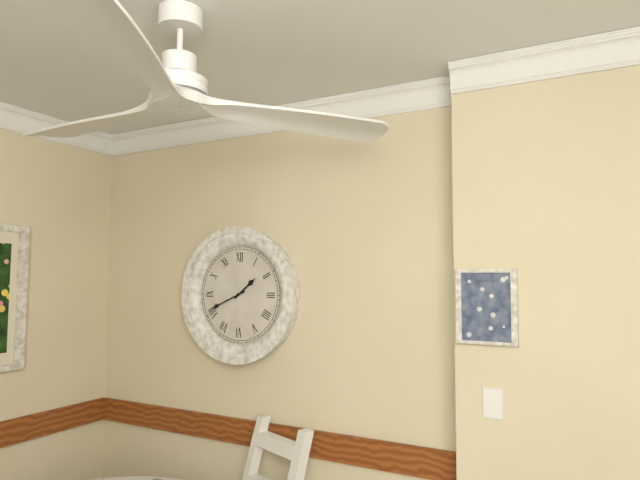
1:41
